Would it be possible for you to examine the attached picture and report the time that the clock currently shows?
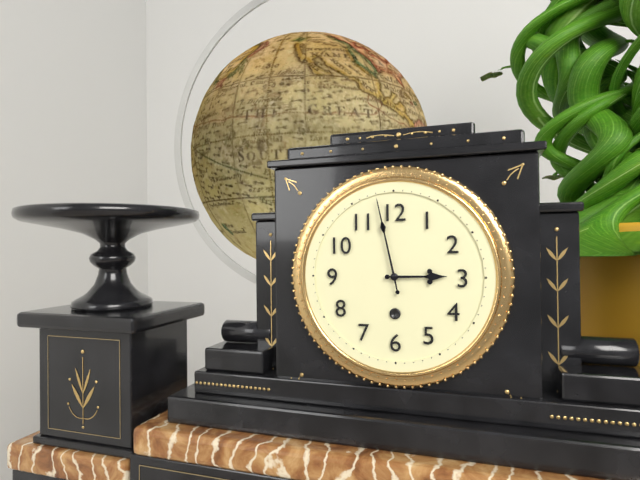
2:58
